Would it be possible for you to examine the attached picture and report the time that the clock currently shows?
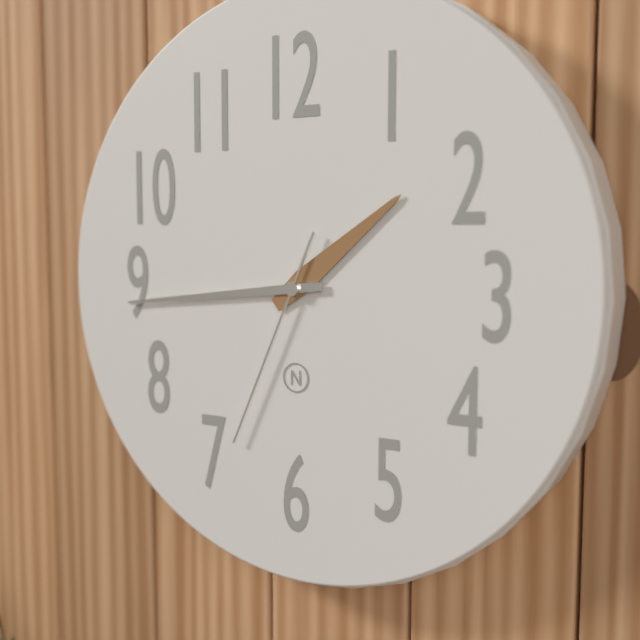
1:44:34
